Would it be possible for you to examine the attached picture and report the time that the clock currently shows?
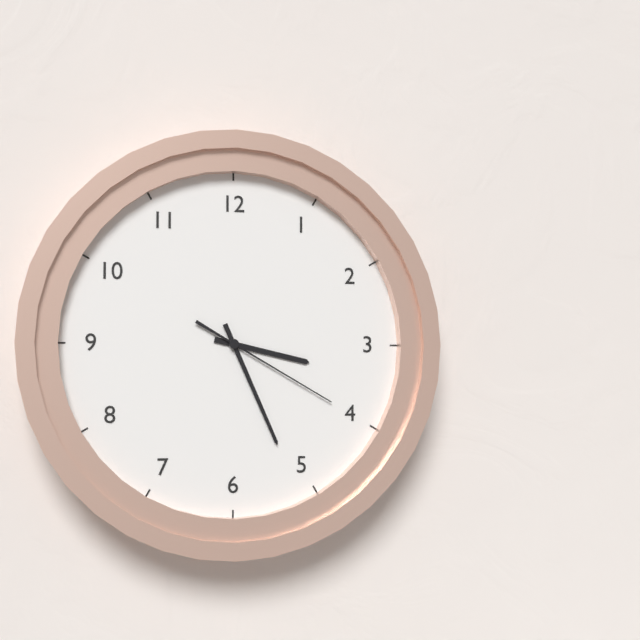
3:26:20
